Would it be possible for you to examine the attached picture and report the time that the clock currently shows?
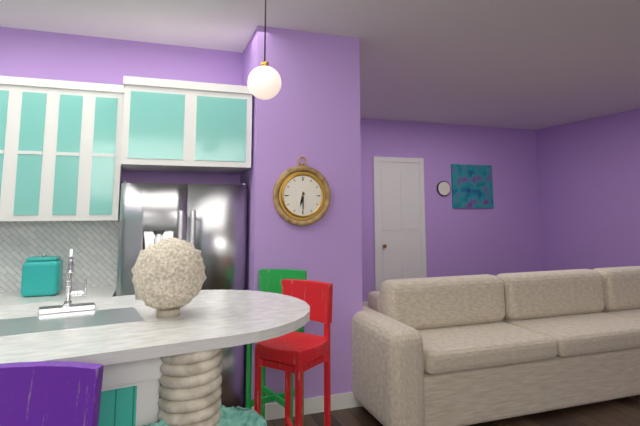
6:30
